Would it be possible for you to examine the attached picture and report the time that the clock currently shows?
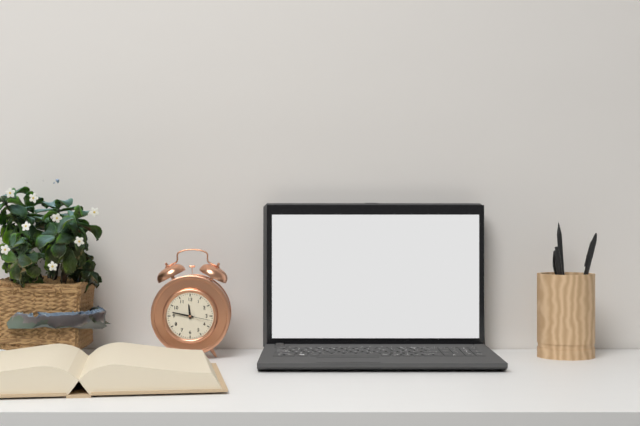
11:47
